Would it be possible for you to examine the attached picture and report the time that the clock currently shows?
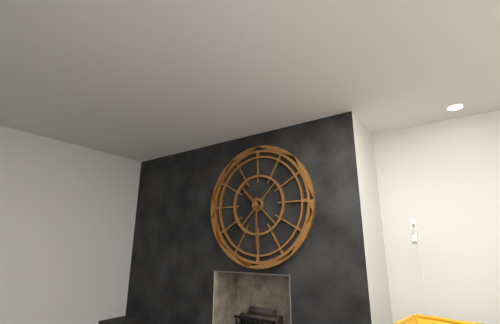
10:30
